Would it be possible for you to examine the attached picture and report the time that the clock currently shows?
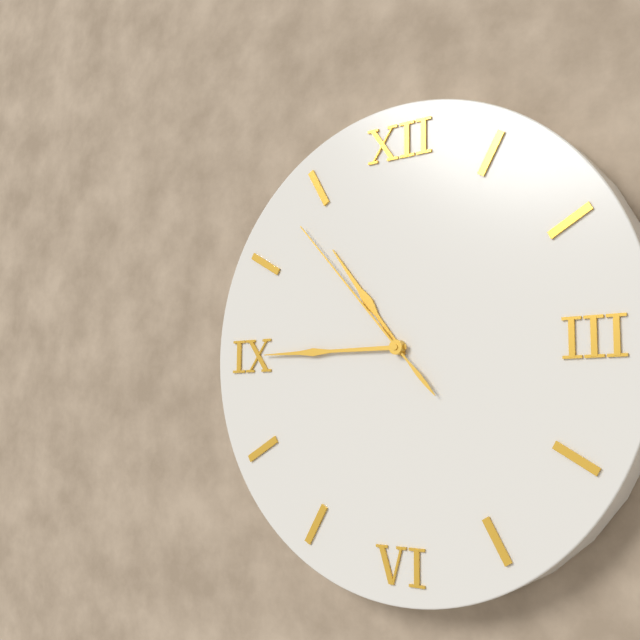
10:45:53
